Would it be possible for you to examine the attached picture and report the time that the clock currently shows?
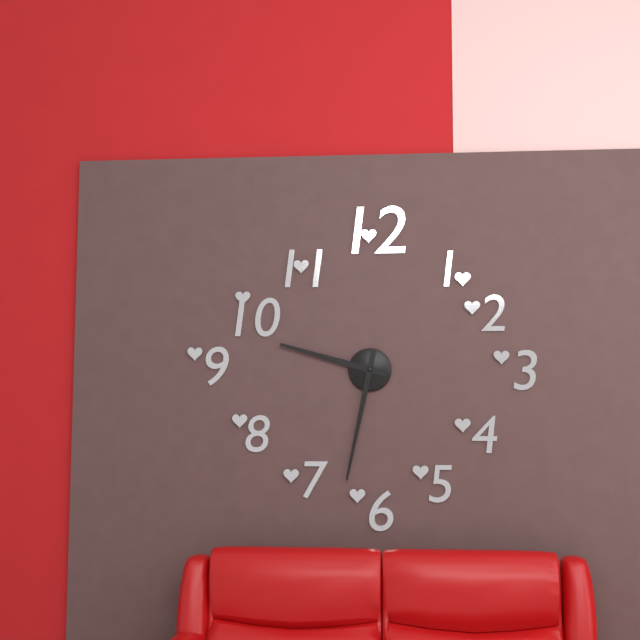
9:32
